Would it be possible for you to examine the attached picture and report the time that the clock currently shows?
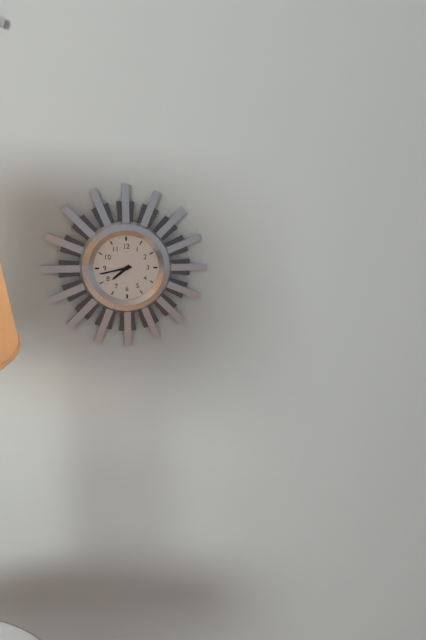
7:43
